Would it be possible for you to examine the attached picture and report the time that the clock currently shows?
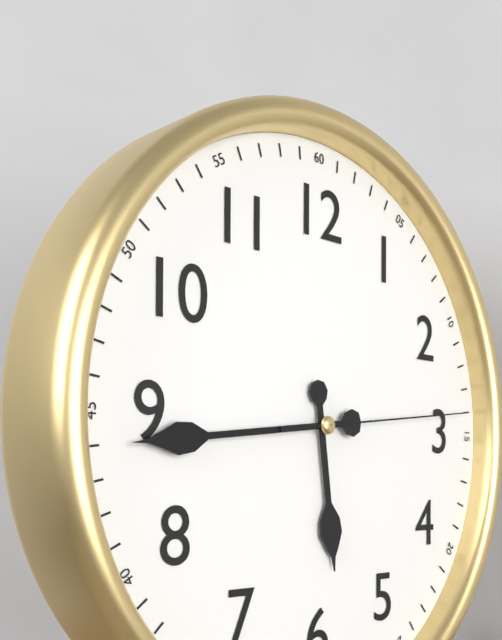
5:44:14
